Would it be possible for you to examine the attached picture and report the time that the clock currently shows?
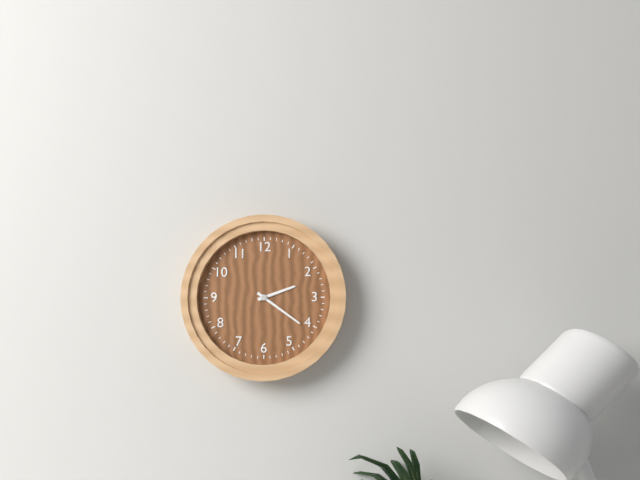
2:21
